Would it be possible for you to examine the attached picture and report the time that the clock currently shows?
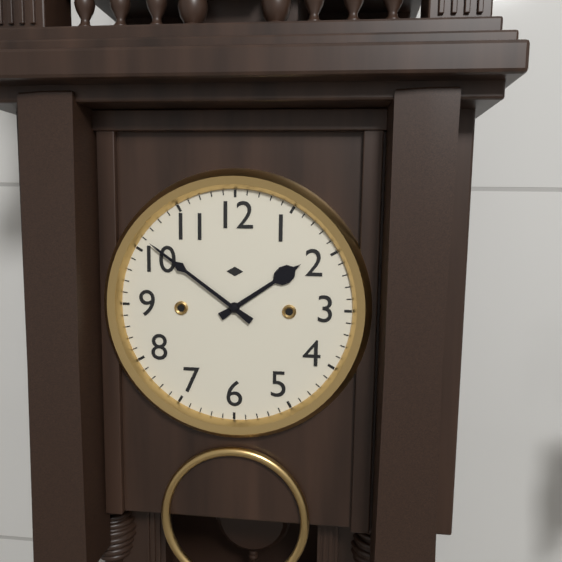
1:51
